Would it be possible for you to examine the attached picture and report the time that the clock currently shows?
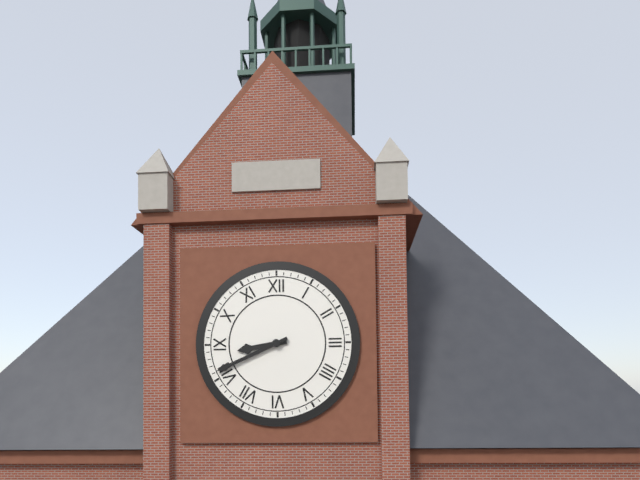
8:41
